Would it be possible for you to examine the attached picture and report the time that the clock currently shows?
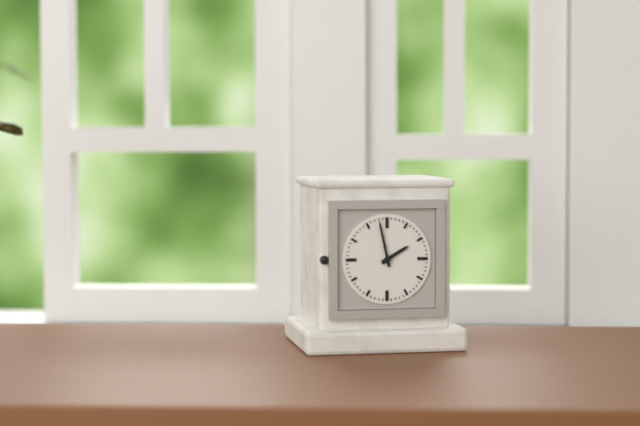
1:58
